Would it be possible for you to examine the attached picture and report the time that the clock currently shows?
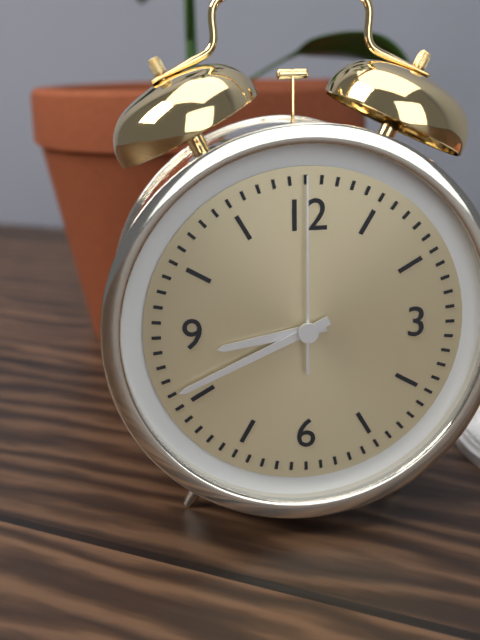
8:41:00
